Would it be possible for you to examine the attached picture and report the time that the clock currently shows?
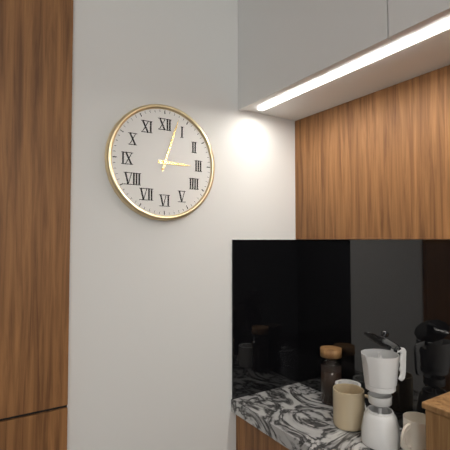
3:03
